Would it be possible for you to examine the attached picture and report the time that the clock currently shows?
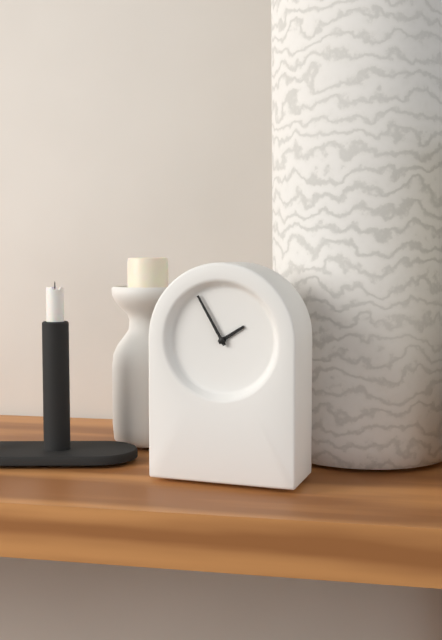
1:55
